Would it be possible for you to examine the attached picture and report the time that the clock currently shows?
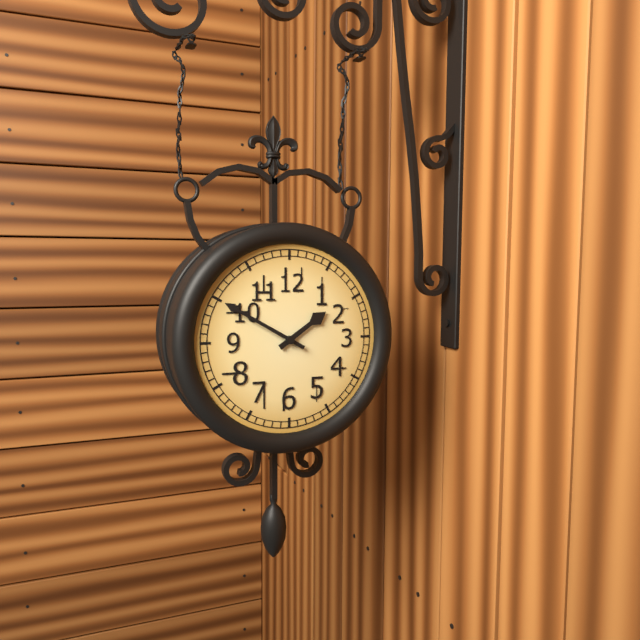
1:50
